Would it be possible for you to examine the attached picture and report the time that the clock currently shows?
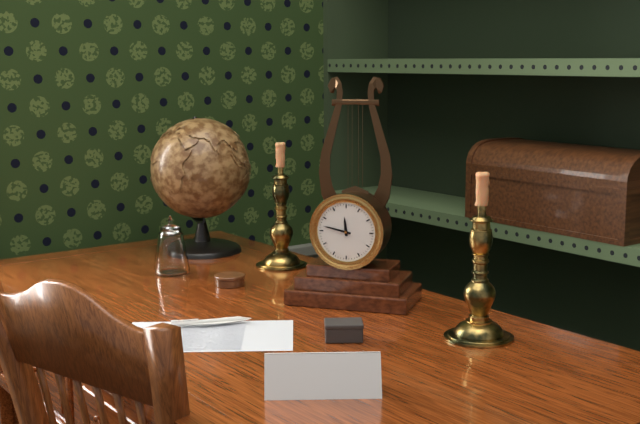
11:47
